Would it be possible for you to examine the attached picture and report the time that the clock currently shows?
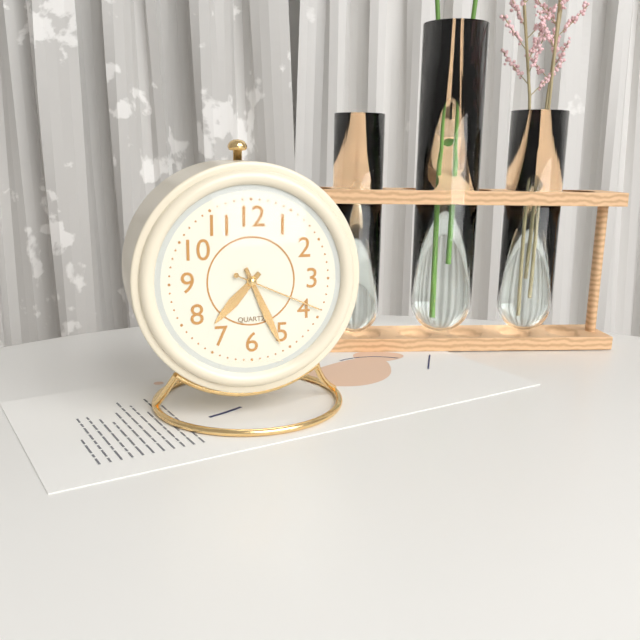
7:26:19
